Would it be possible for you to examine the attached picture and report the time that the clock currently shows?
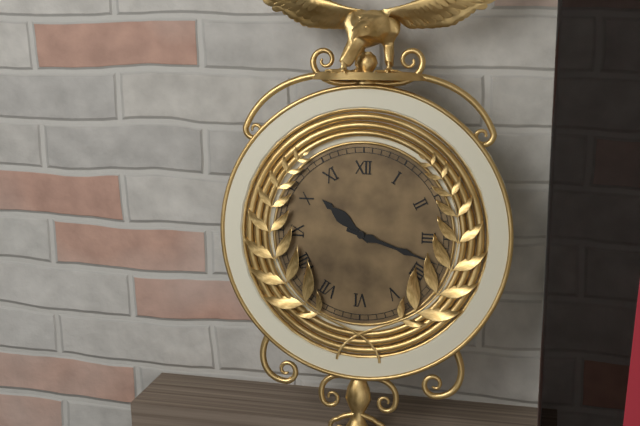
10:18
